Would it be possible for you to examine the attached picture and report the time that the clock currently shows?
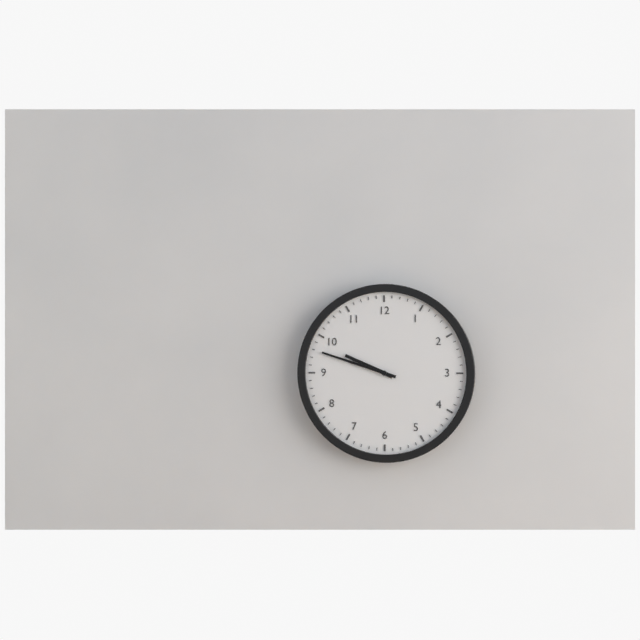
9:48
